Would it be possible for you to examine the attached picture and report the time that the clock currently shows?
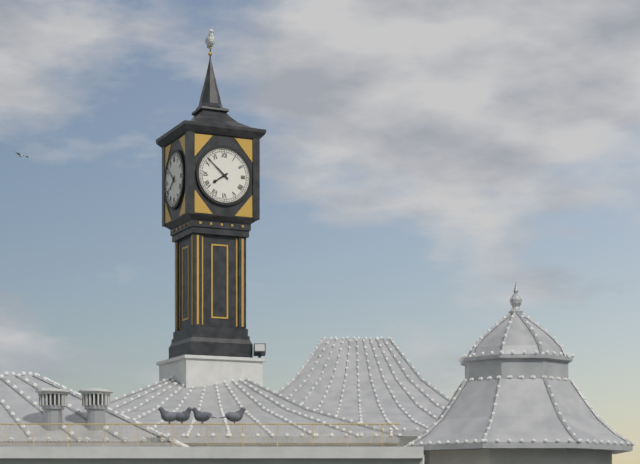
7:52
